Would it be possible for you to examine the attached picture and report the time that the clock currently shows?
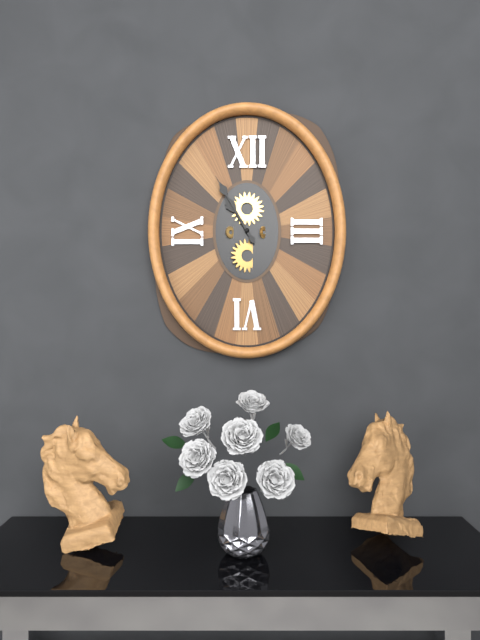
10:55
